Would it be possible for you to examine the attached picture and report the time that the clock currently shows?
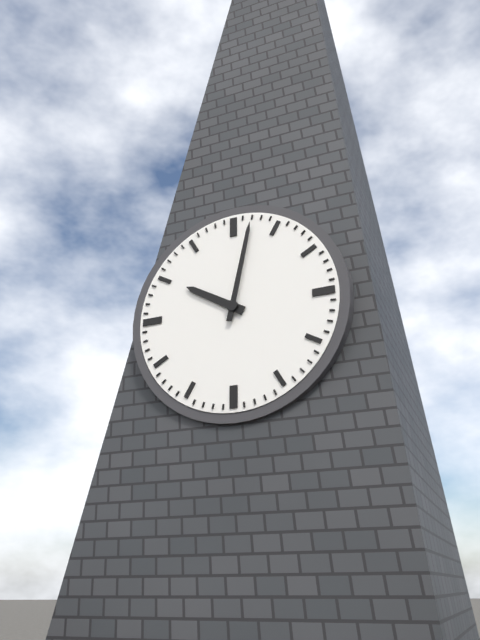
10:02
